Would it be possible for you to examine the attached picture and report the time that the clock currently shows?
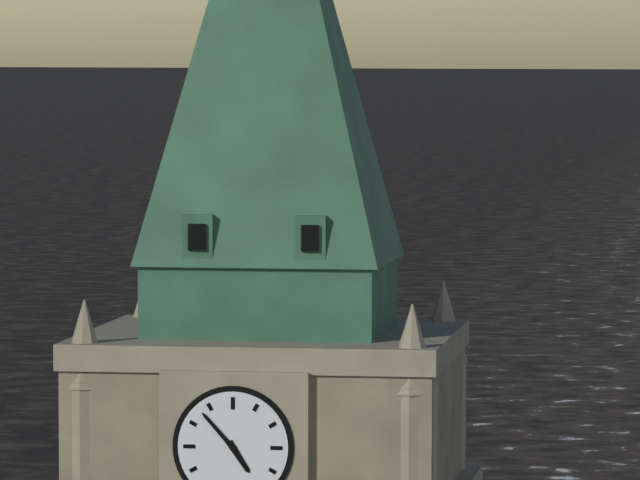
4:53
